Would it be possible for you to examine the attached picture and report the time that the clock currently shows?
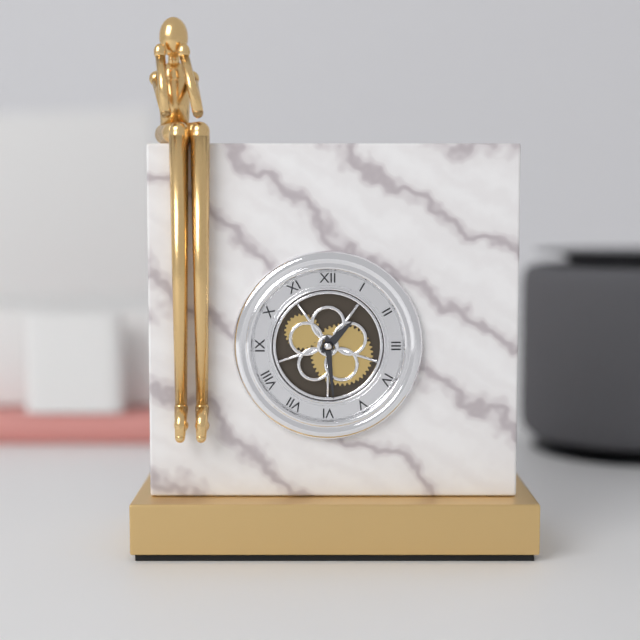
1:29
